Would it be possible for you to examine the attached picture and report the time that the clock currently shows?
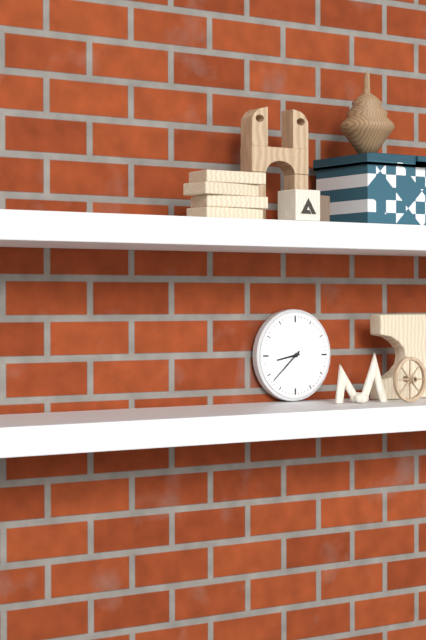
8:38
